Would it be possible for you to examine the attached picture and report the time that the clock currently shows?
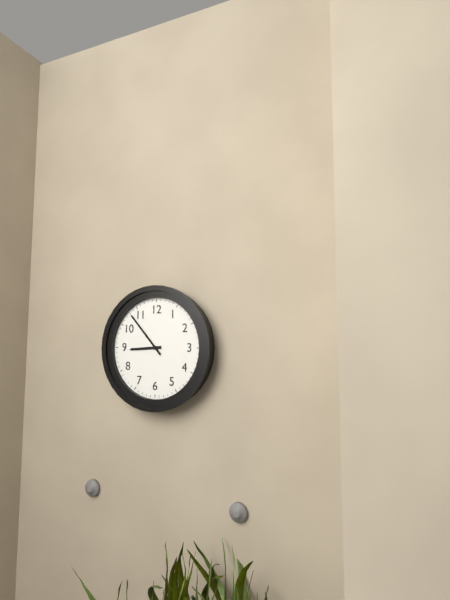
8:53
